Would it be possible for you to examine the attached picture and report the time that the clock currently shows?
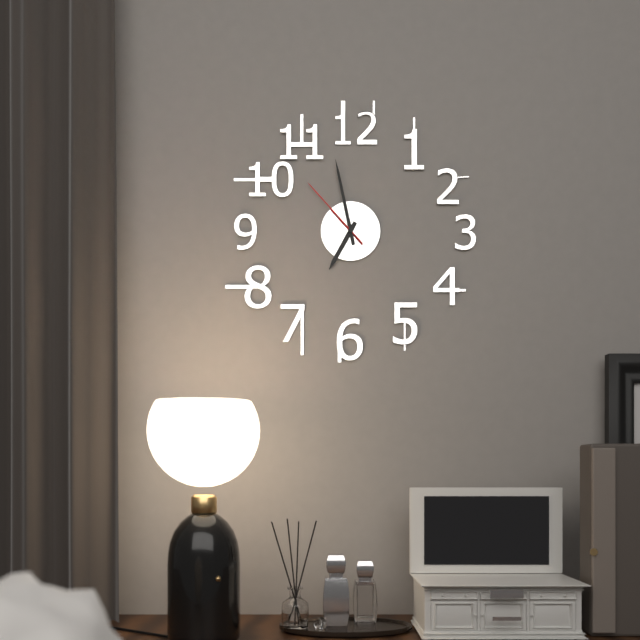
6:58:53
